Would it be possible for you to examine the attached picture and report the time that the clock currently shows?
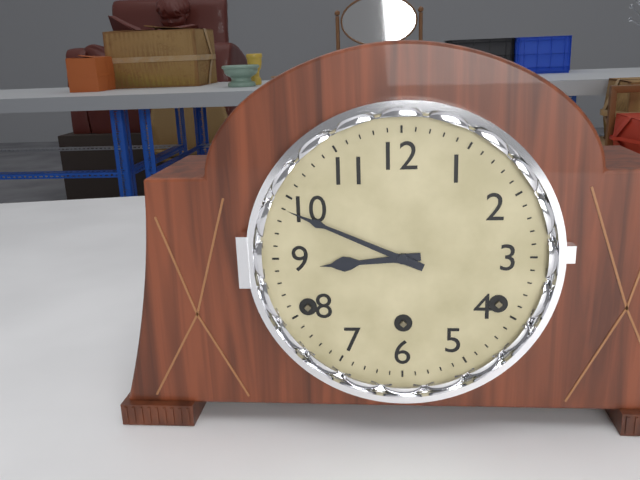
8:49
